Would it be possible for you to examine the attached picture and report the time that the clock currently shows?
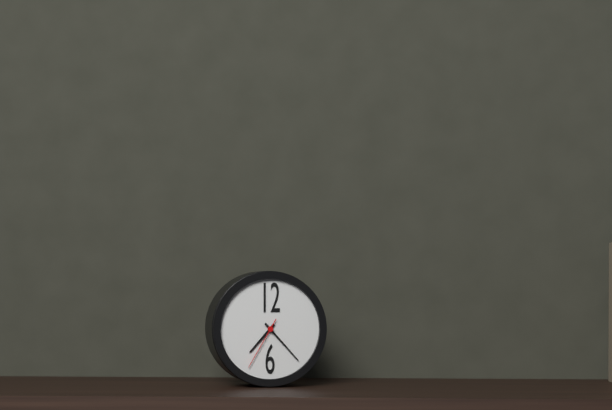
7:23:35
